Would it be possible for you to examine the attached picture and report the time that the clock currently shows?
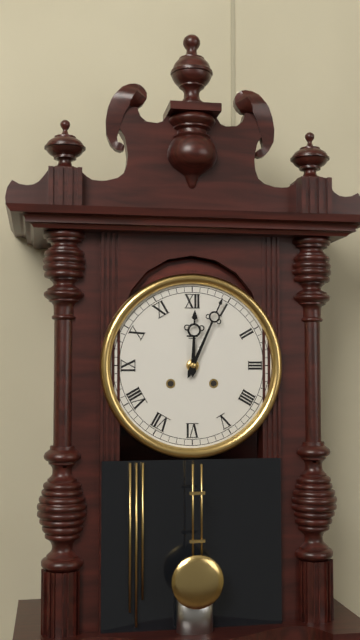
12:04
